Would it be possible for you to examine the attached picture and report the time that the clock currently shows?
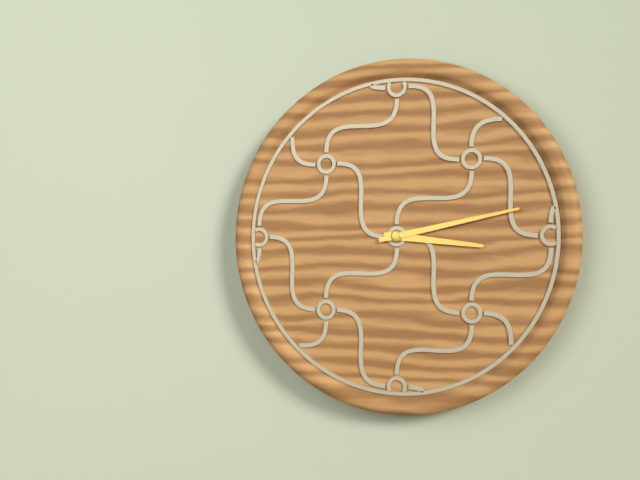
3:13
